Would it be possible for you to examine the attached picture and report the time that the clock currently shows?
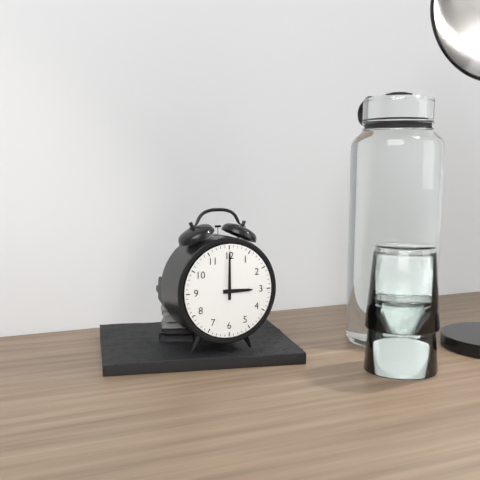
3:00
